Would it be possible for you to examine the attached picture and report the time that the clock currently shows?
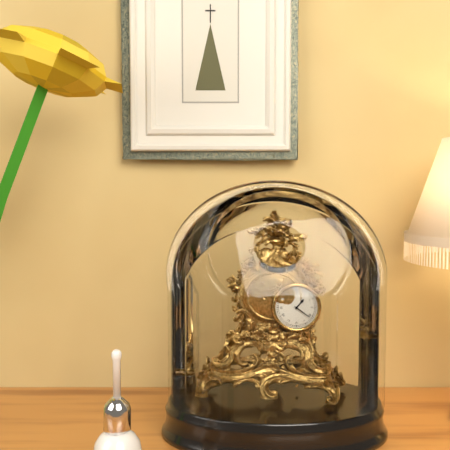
1:21
